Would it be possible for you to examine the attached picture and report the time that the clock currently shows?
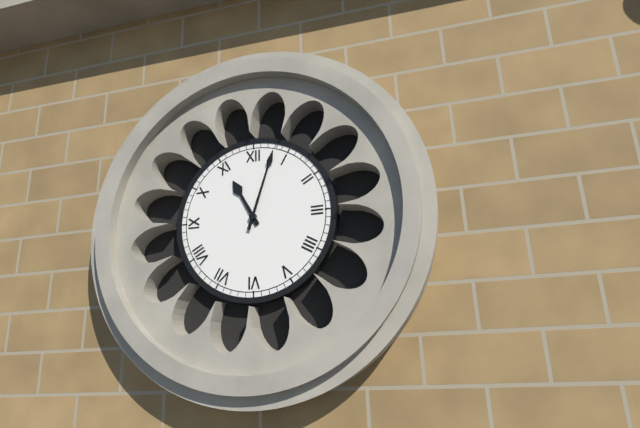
11:03
